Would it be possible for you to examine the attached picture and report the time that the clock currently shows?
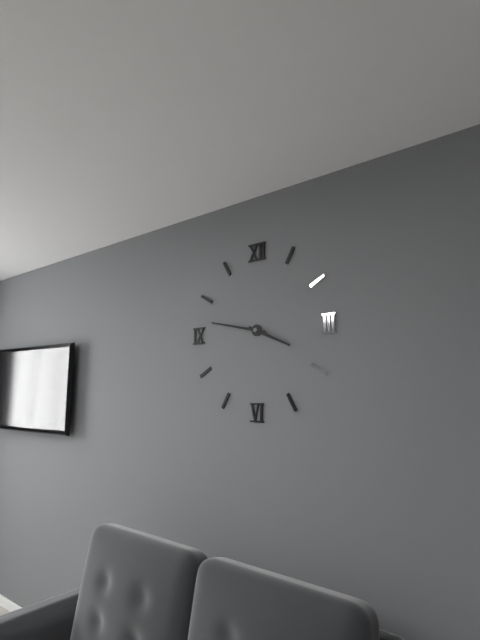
3:47
